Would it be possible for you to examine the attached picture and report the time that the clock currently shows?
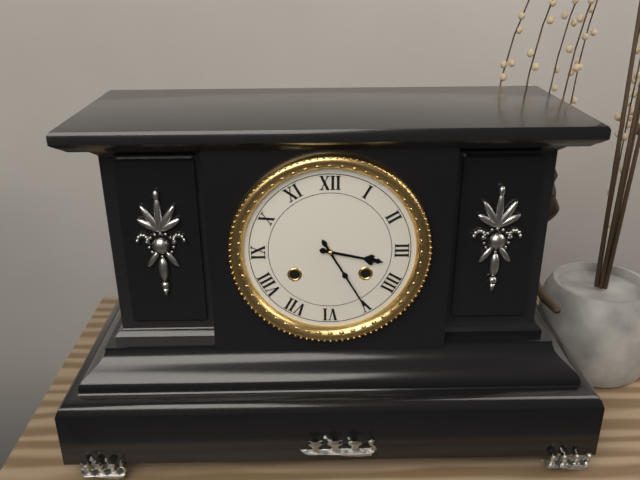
3:25
